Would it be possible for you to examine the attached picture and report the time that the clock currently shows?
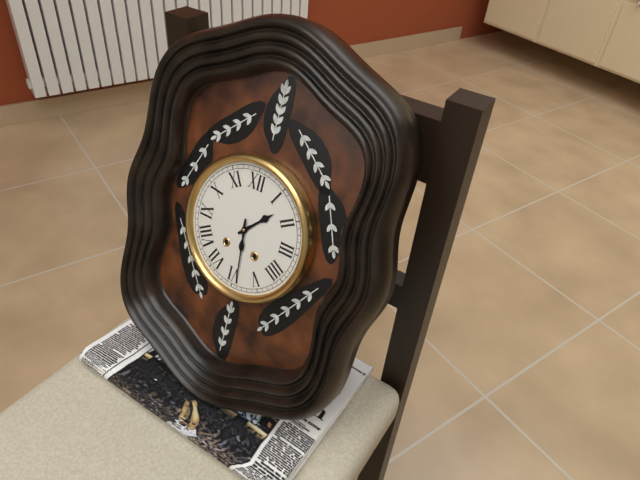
1:29
